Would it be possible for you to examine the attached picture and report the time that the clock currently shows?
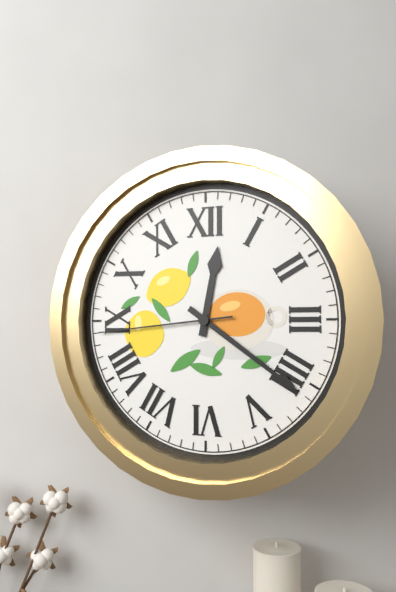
12:21:44
